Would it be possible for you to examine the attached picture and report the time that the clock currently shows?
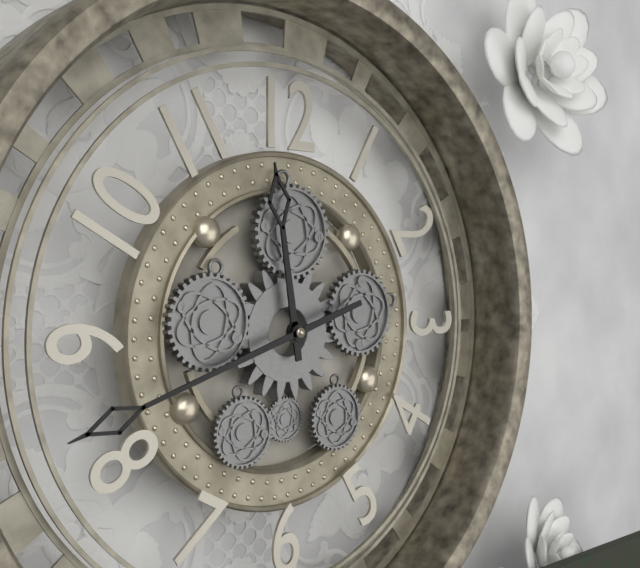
11:42
